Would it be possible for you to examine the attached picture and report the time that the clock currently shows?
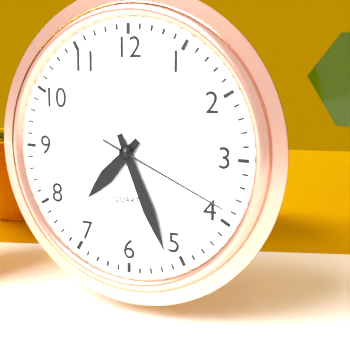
7:26:19
